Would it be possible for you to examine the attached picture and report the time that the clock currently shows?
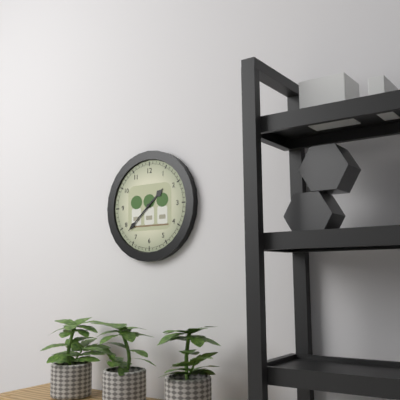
1:38
